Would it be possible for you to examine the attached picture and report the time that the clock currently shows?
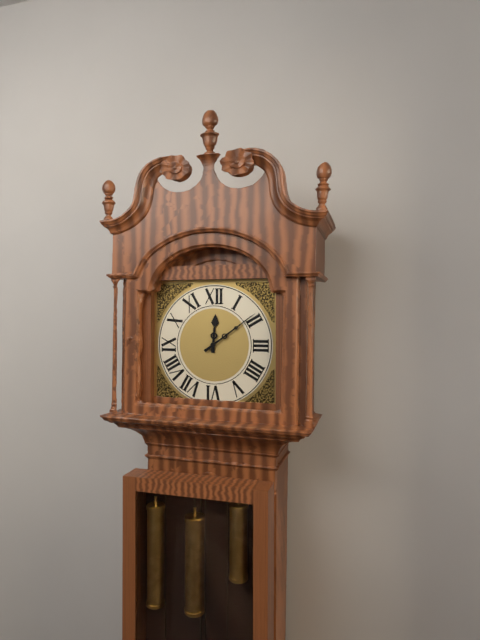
12:09
